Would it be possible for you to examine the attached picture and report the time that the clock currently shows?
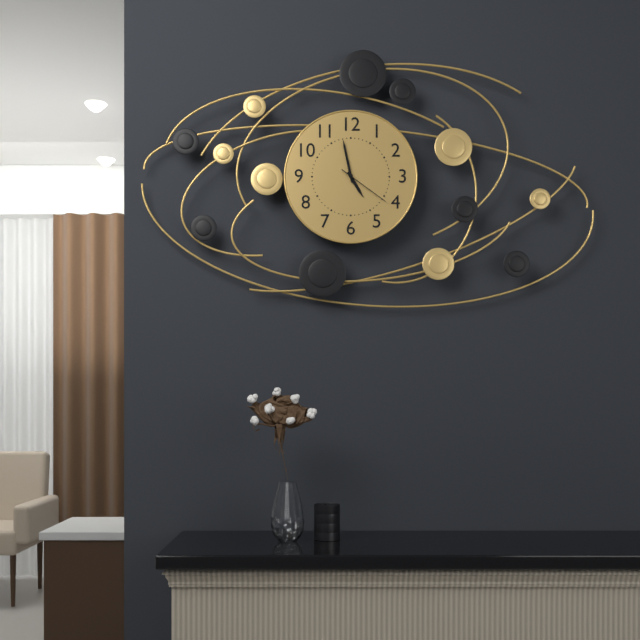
4:58:21
